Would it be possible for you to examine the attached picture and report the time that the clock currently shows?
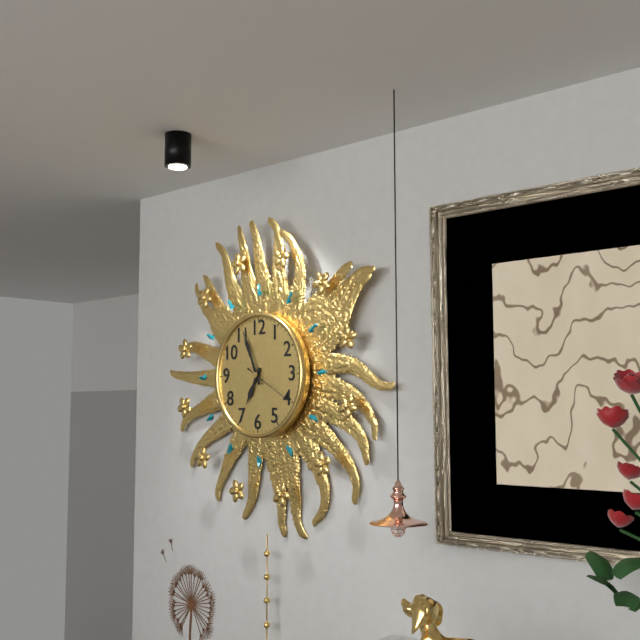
6:56
